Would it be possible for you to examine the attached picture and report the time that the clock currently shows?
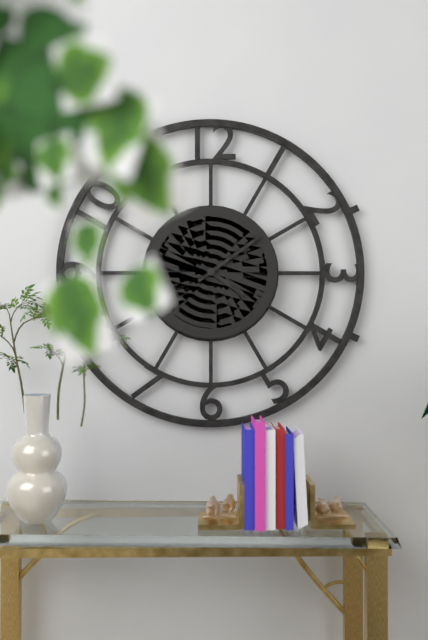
4:09
